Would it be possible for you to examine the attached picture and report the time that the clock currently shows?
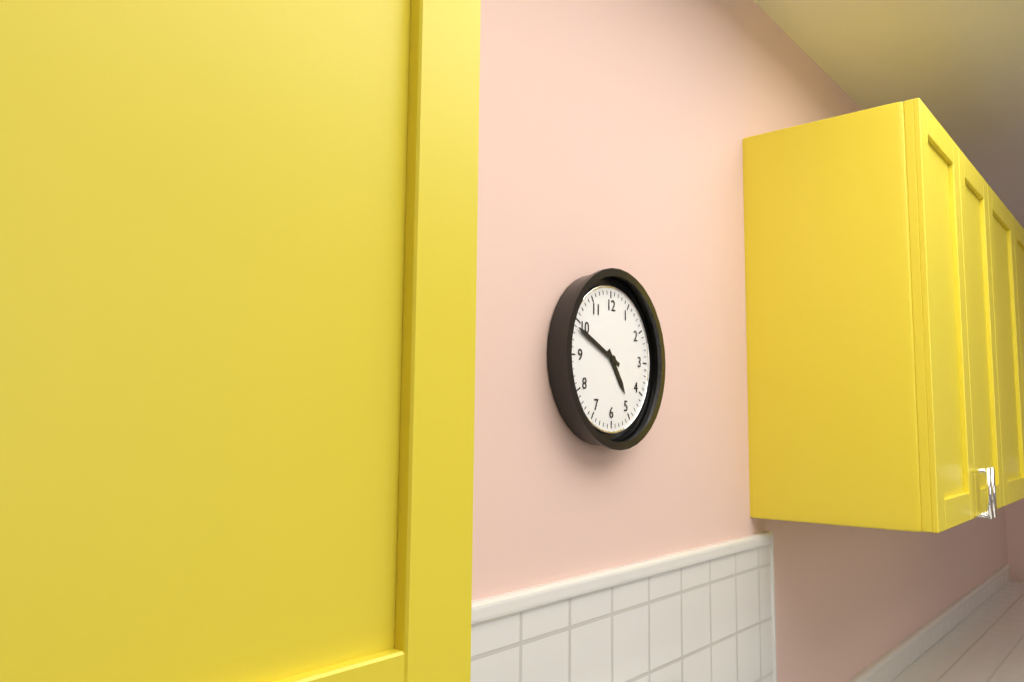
4:49
